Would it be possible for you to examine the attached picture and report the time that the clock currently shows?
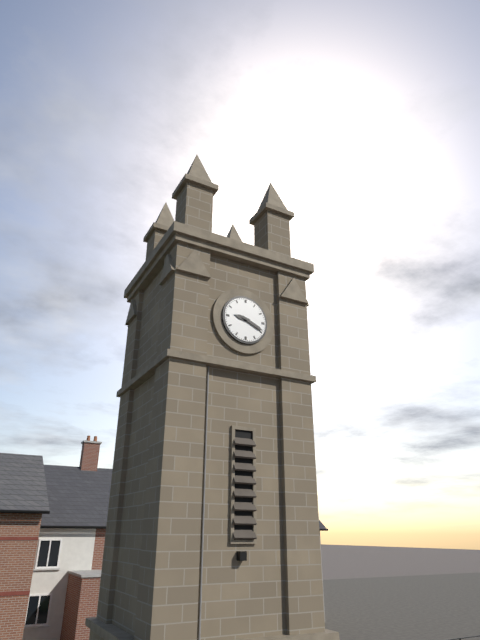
9:19
